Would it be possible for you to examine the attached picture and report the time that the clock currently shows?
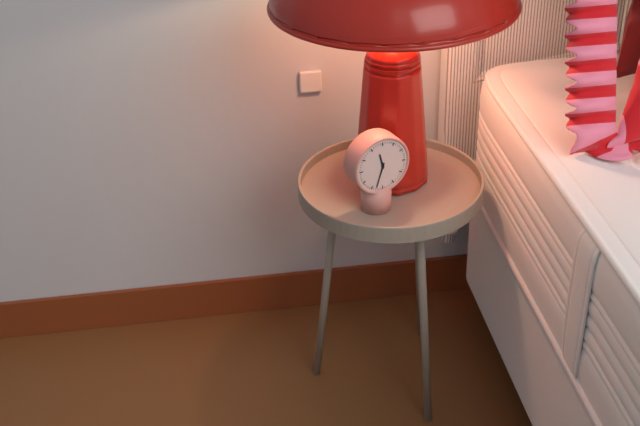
11:33
